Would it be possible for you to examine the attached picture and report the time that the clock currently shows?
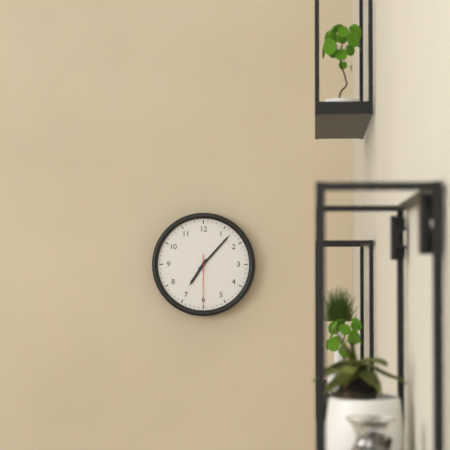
7:07:30
